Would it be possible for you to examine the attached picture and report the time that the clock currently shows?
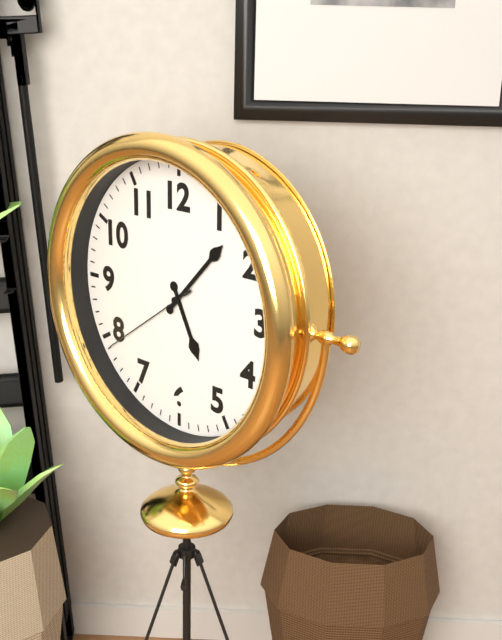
5:07:39
